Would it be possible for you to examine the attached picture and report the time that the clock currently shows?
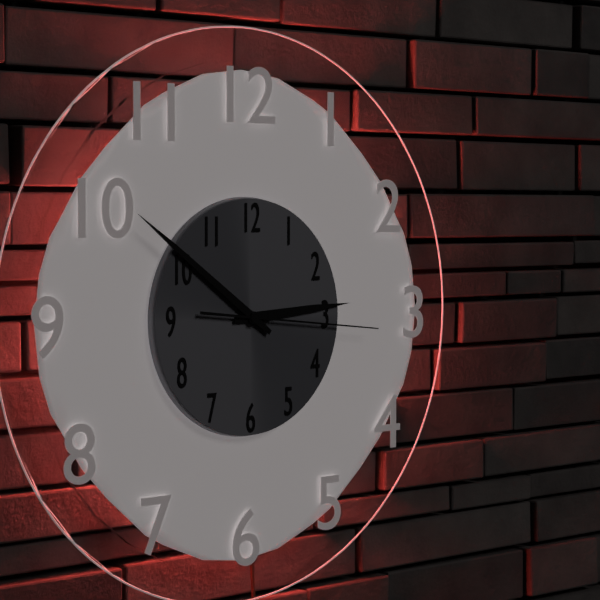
2:51:16
